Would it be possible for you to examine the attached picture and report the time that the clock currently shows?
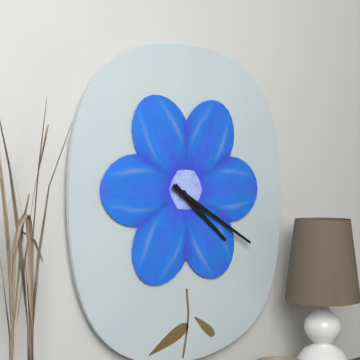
4:20
